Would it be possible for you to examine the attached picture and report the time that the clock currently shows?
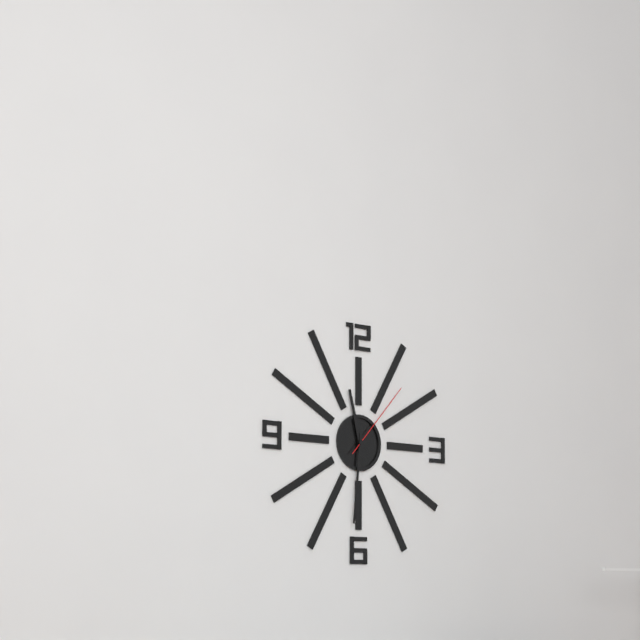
11:31:07
